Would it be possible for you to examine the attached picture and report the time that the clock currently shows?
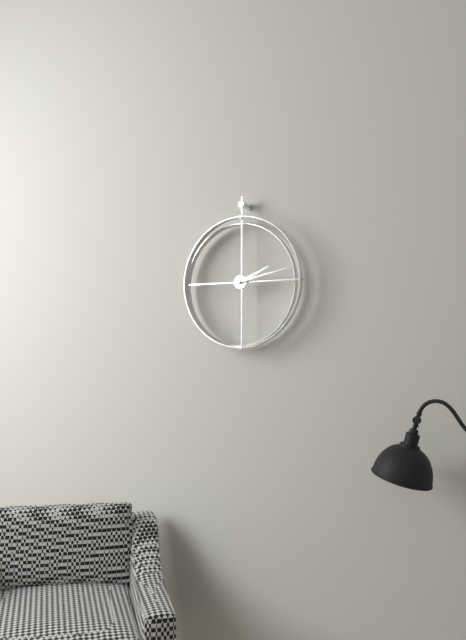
2:13
